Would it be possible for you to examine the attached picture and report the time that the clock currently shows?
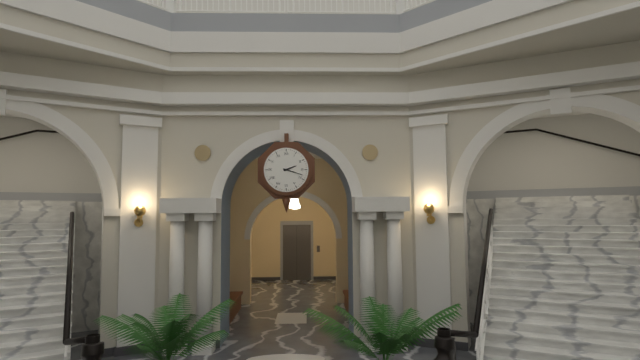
2:18
